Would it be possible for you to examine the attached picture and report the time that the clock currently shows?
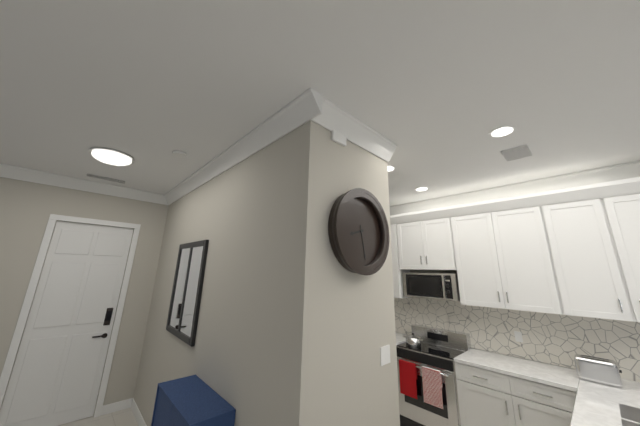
8:28
